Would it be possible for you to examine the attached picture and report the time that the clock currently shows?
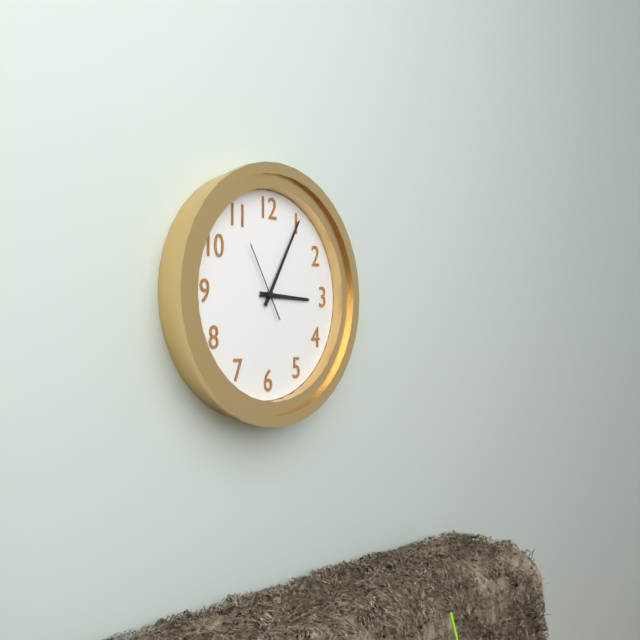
3:05:55
